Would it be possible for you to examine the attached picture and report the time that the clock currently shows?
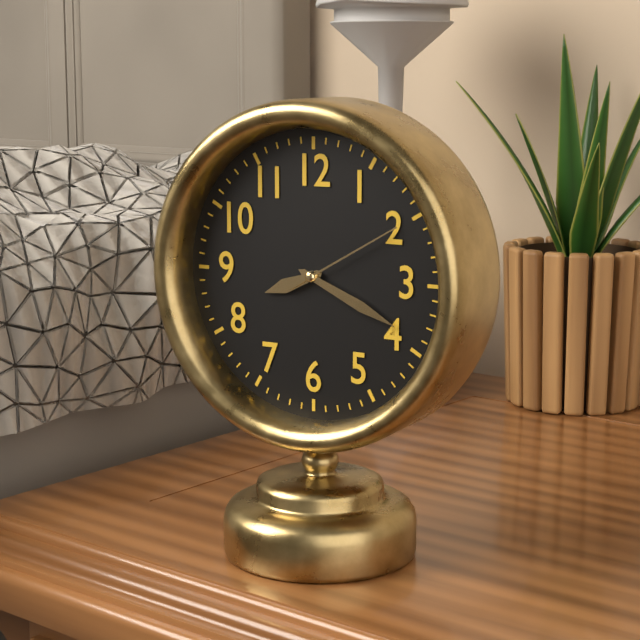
8:19:10
